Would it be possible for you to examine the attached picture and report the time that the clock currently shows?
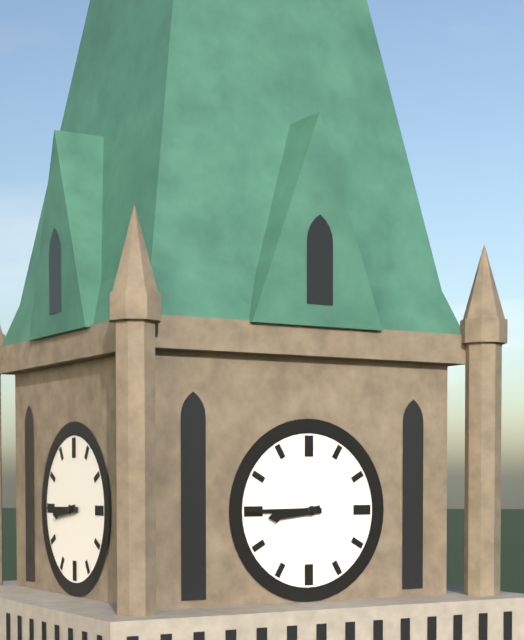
8:45
